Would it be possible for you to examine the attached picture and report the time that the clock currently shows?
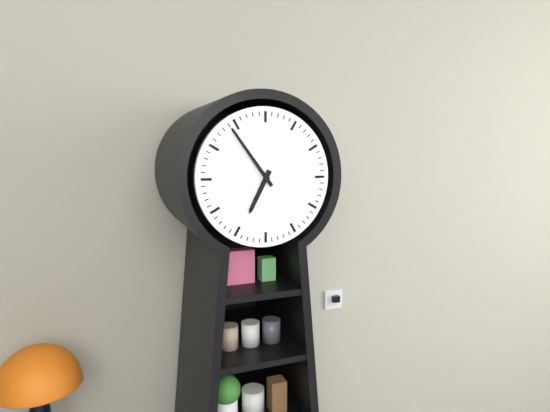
6:54
